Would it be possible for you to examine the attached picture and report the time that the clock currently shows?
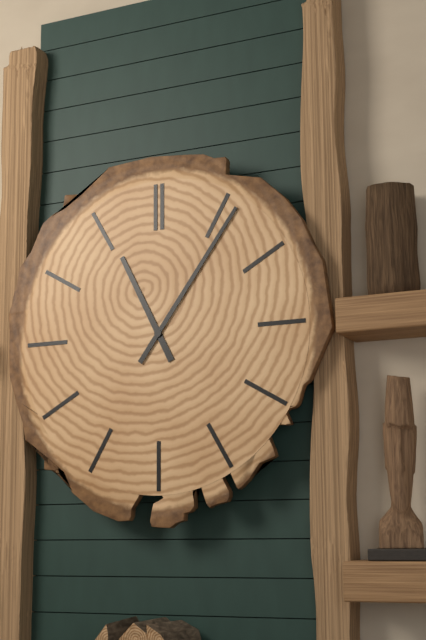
11:06
